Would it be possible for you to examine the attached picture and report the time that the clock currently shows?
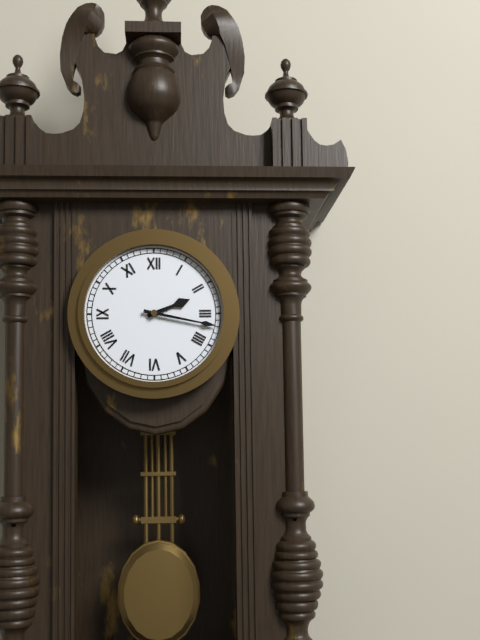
2:17
